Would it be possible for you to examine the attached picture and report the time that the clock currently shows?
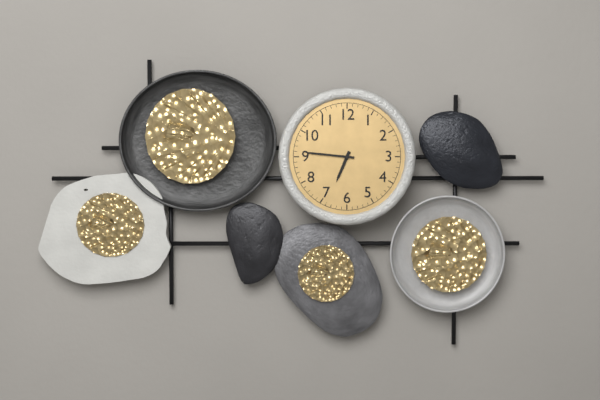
6:46
